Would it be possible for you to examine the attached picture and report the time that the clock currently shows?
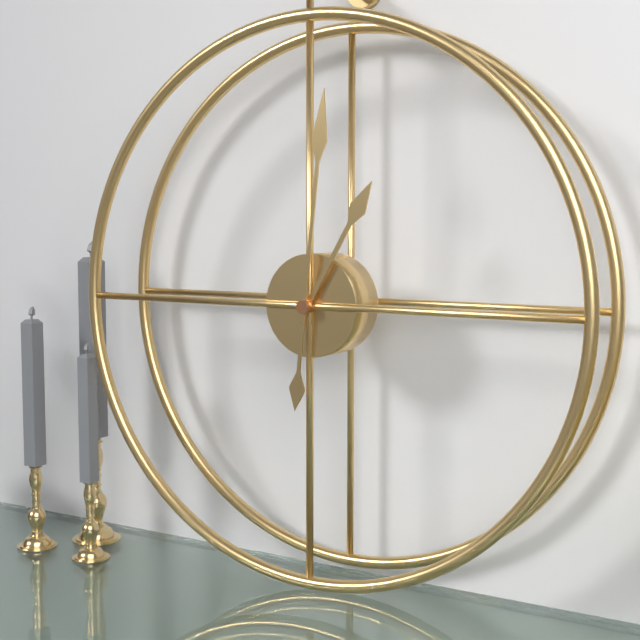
1:01
